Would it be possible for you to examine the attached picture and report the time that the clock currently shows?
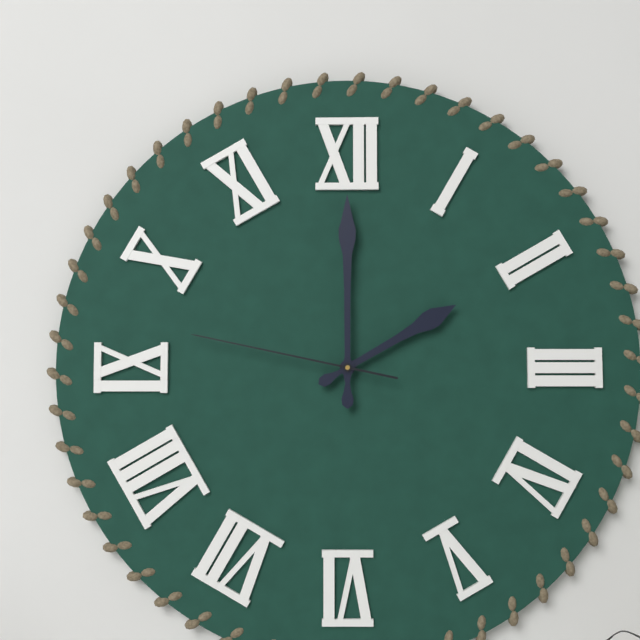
2:00:47
